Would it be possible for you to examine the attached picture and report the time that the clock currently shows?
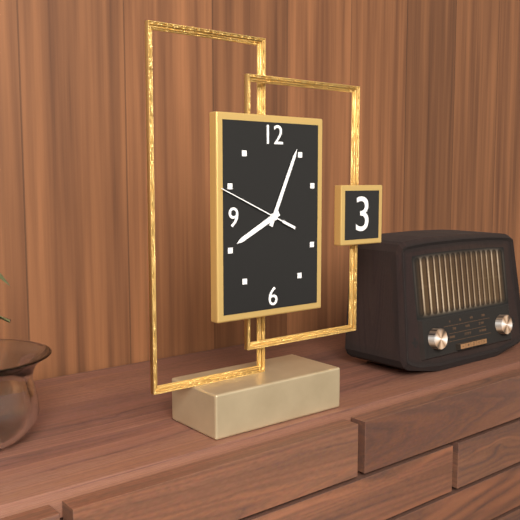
8:04:49
